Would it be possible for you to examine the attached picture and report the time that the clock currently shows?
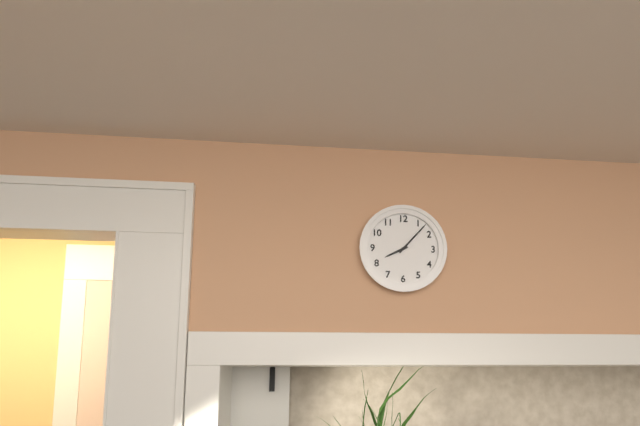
8:07
